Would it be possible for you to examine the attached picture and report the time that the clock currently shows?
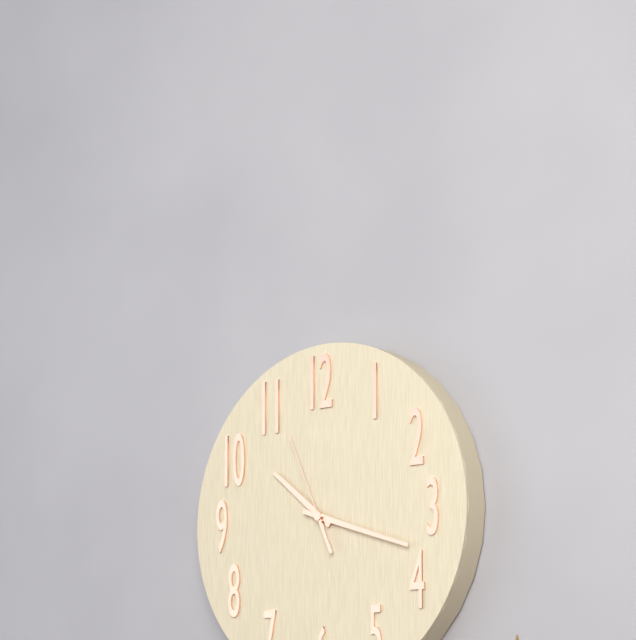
10:18:56
